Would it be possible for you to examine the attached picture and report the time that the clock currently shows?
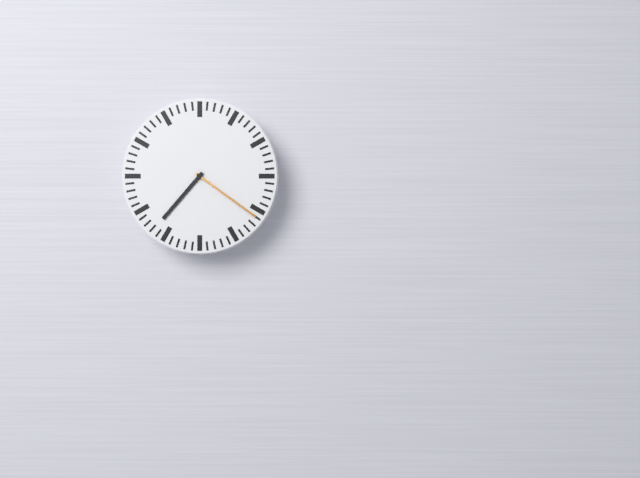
7:21
